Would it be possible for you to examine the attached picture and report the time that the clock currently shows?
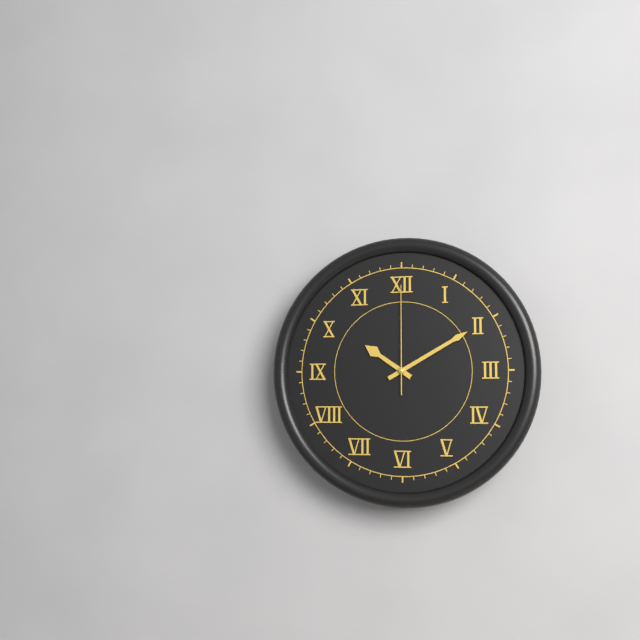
10:10:00
